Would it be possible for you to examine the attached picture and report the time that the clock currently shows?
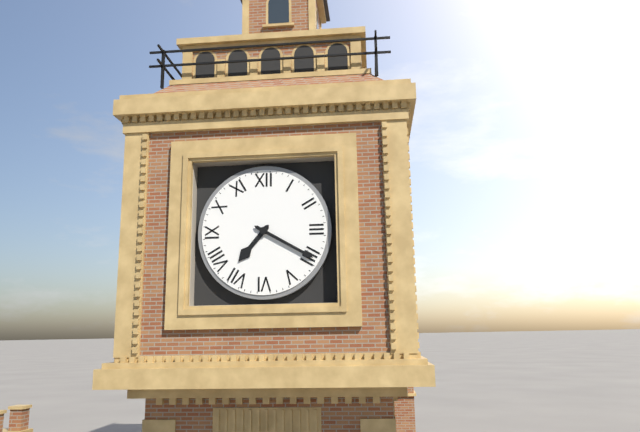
7:20
